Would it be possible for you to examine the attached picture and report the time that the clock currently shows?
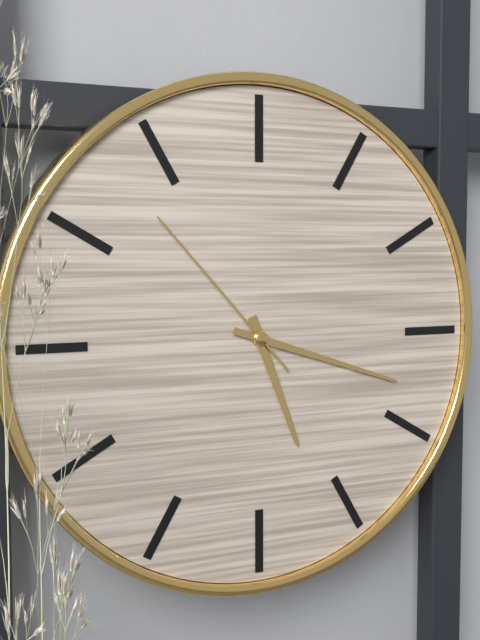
5:18:53
